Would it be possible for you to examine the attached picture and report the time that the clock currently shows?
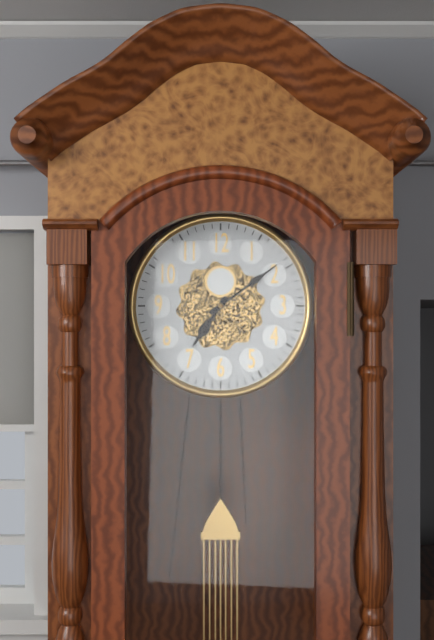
7:09
